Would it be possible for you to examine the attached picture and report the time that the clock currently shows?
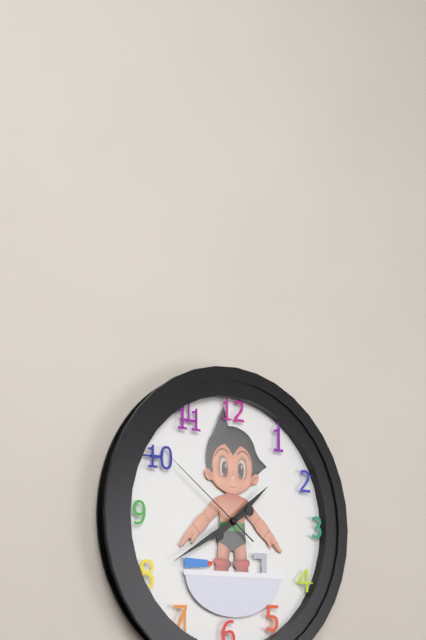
1:40:51
